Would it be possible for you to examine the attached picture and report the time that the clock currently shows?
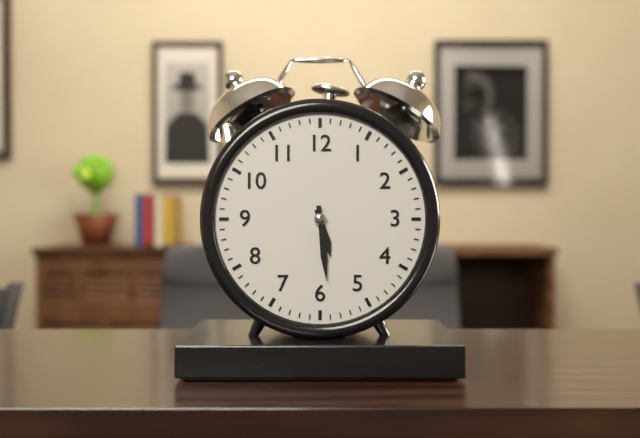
5:29
